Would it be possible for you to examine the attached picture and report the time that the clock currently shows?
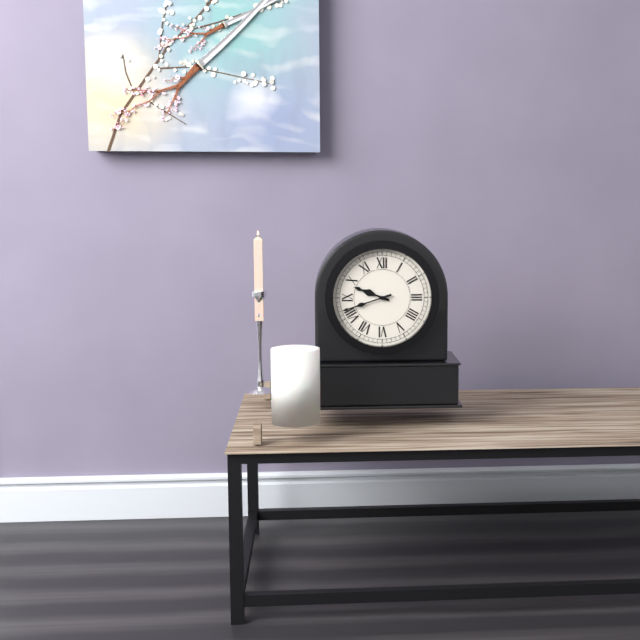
9:42
